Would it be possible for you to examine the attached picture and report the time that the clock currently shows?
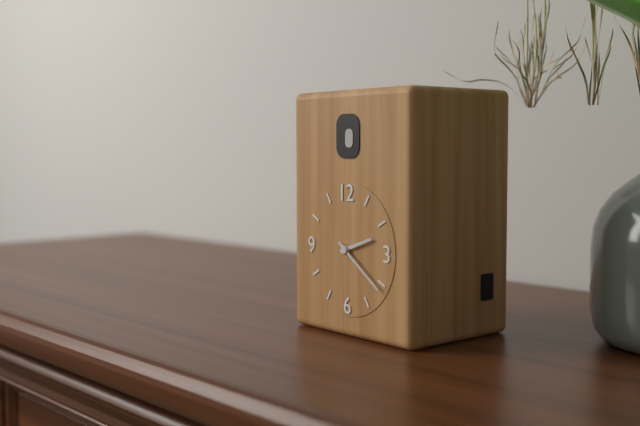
2:21
